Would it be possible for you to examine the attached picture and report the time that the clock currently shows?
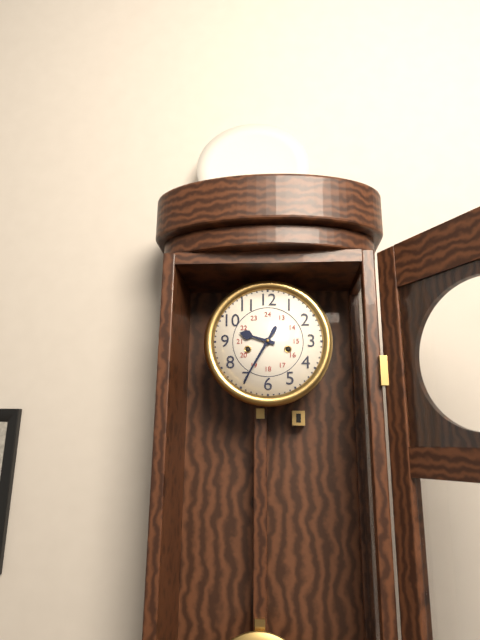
9:35
